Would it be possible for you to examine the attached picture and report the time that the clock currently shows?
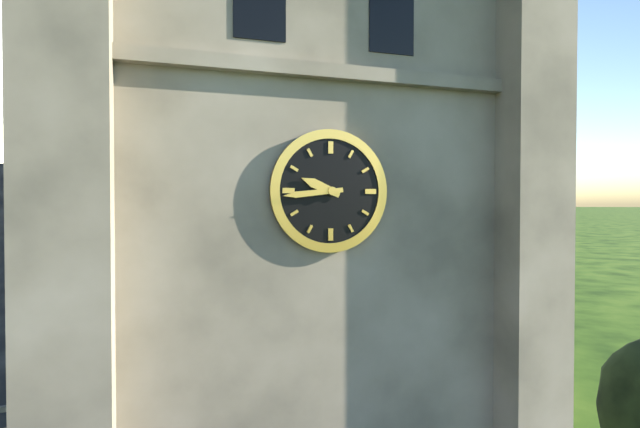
9:44
